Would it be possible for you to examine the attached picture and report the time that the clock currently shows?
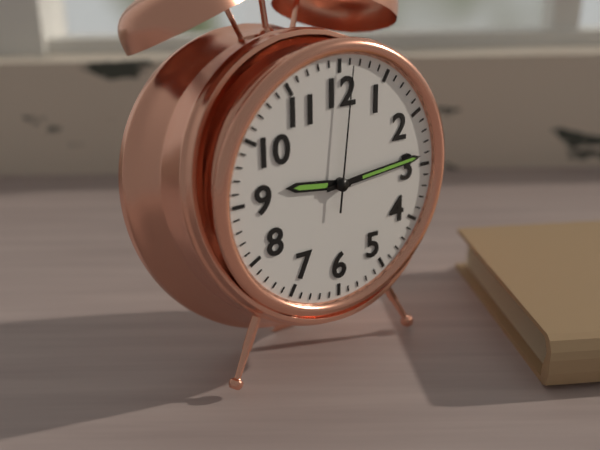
9:14:01
